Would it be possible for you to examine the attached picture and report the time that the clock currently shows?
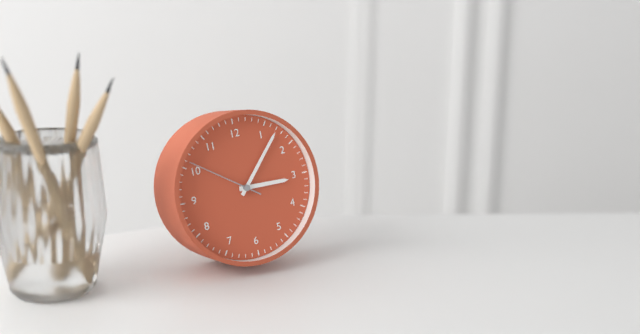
3:07:51
